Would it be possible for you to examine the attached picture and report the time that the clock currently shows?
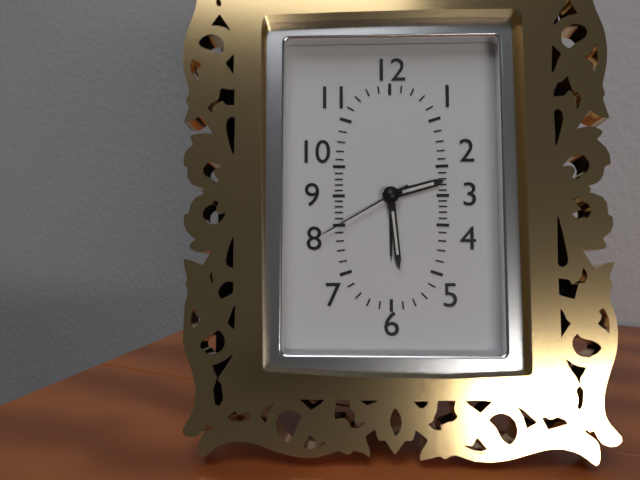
2:29:40
